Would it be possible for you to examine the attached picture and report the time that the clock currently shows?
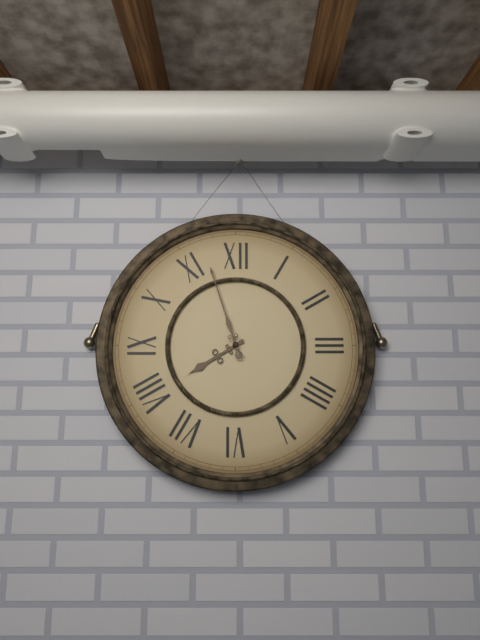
7:57
